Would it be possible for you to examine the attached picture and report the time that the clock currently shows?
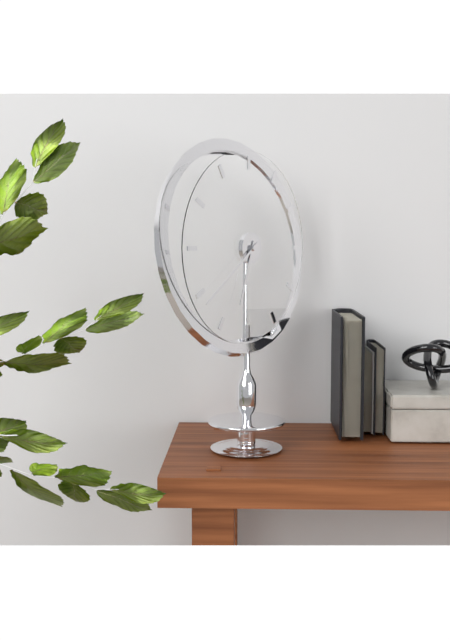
6:39
